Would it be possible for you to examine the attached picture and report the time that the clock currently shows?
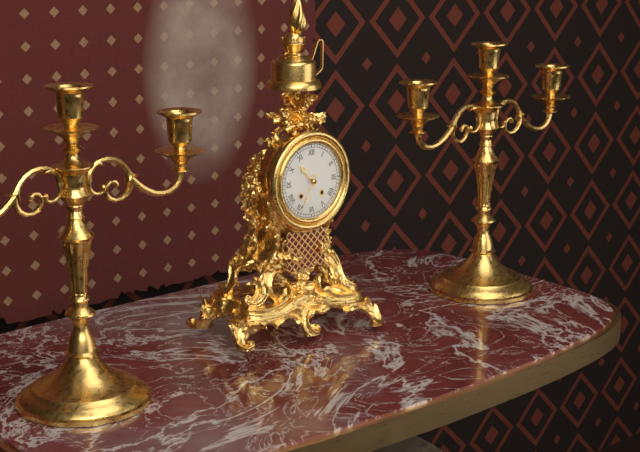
10:35
